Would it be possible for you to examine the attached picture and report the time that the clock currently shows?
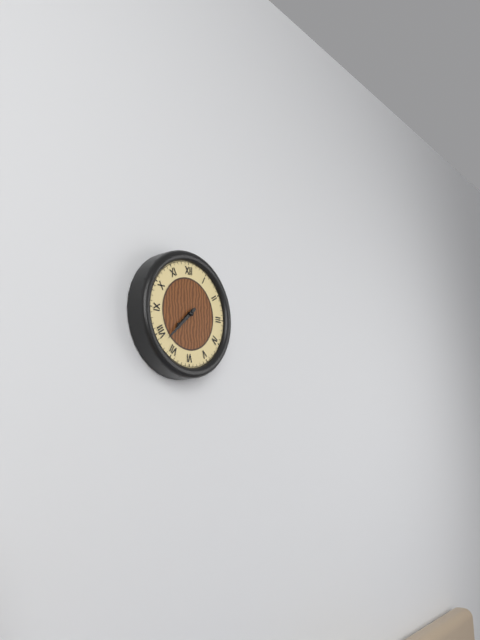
7:38
